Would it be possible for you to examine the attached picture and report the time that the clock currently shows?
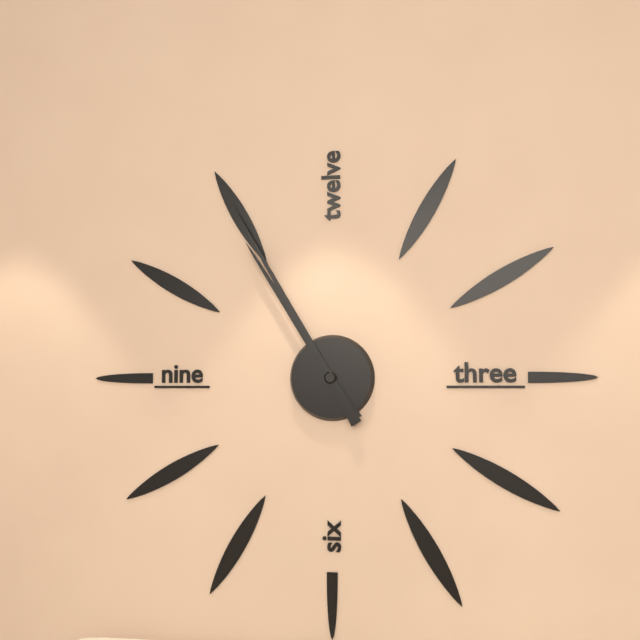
10:55
